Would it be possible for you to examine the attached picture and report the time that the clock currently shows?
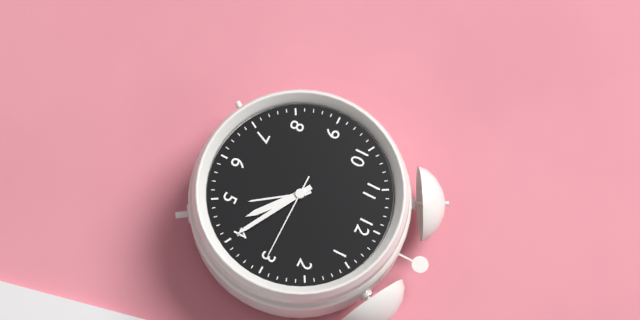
4:20:15
